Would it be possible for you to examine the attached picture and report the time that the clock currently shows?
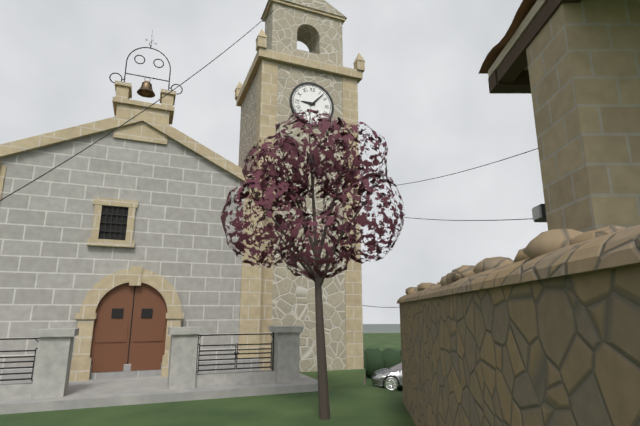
9:07
